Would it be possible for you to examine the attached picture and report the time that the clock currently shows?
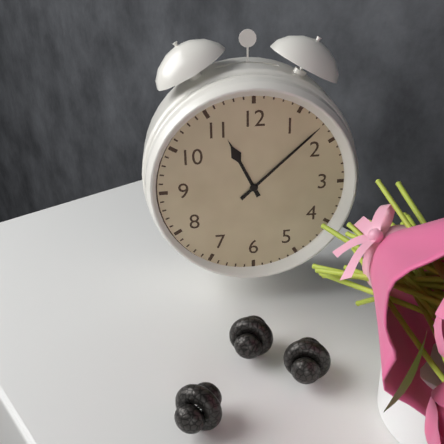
11:08
